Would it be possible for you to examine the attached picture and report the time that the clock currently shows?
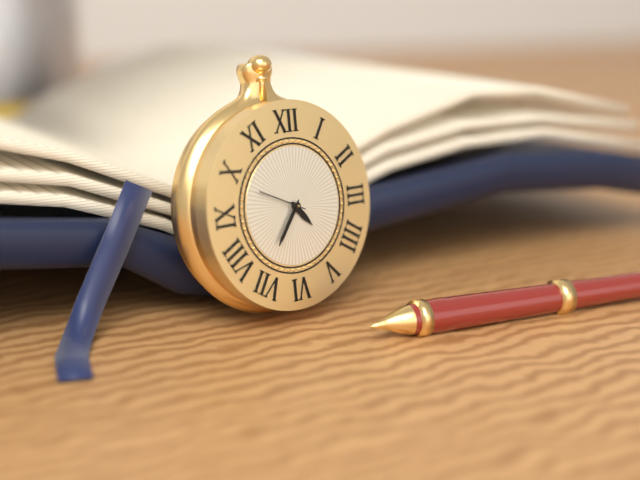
4:36
